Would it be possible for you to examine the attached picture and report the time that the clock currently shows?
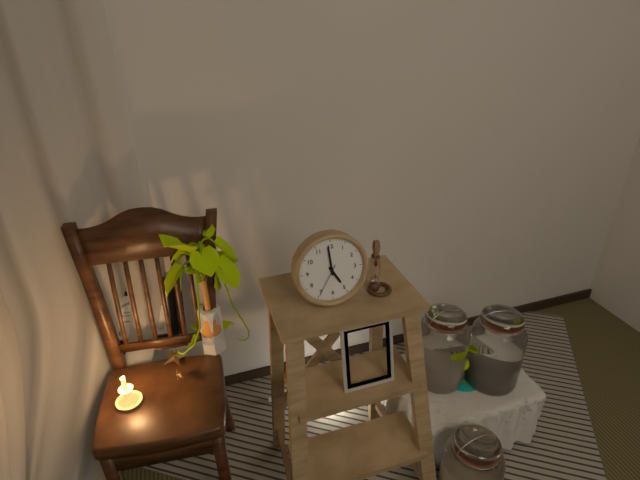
4:59
